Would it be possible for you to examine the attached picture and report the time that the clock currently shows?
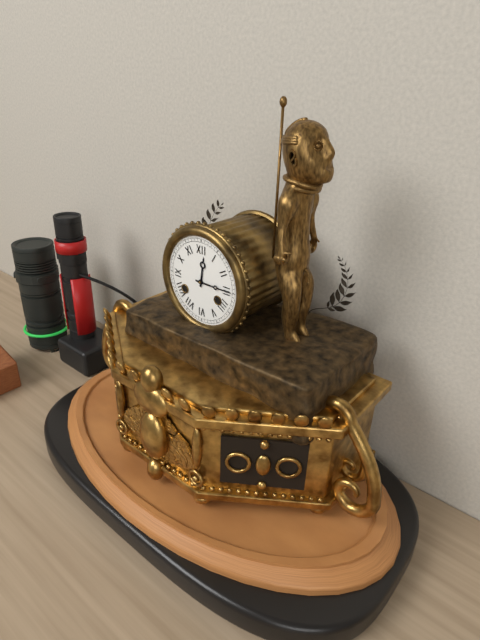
12:15
